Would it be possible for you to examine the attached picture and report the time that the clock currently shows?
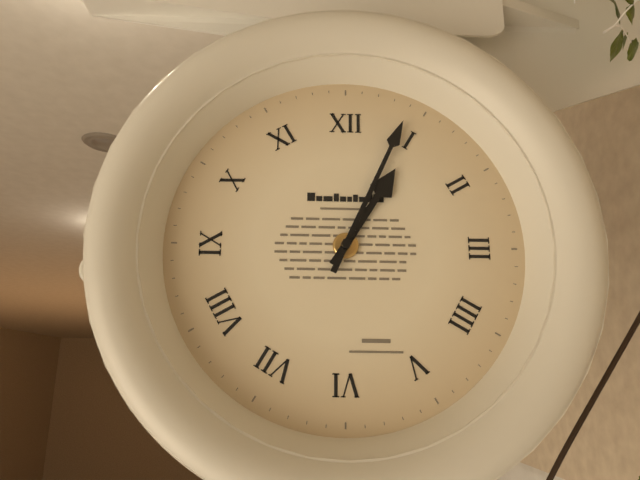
1:04
